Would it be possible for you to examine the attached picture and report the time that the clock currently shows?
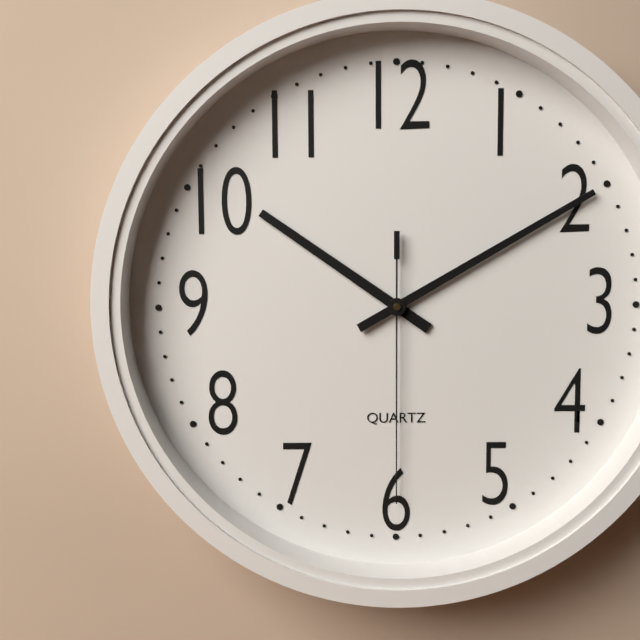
10:10:30
